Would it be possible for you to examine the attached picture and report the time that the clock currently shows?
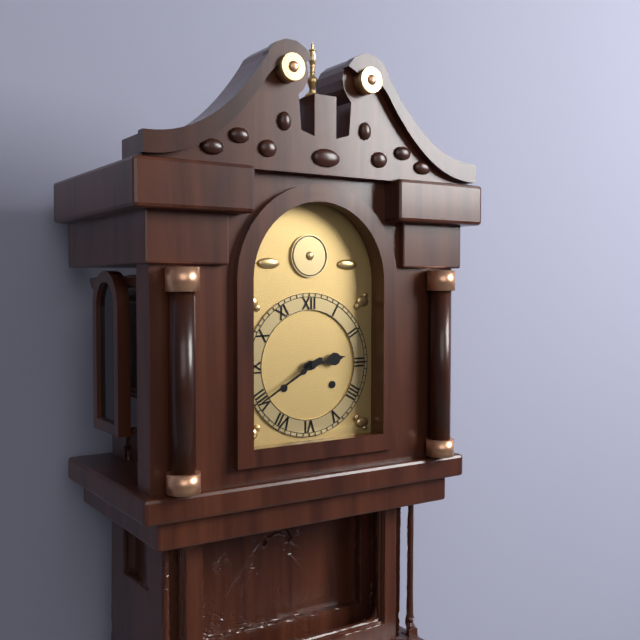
2:40
